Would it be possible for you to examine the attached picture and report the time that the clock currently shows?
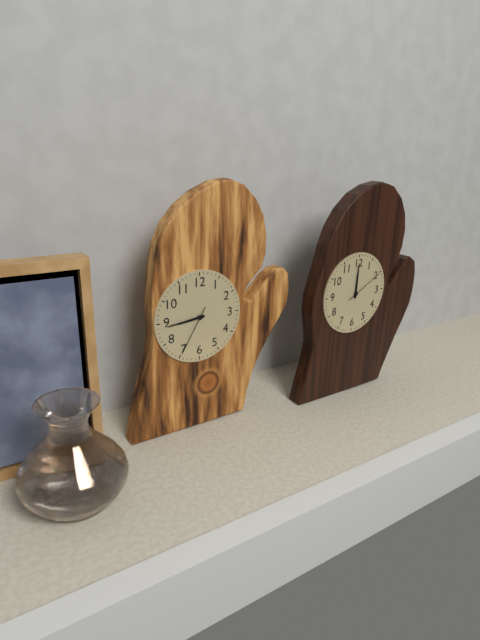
8:44:35
